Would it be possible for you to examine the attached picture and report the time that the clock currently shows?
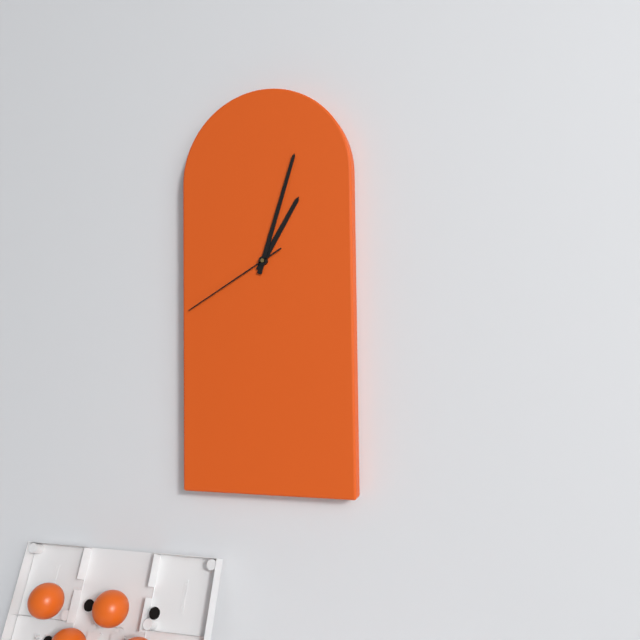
1:03:40
